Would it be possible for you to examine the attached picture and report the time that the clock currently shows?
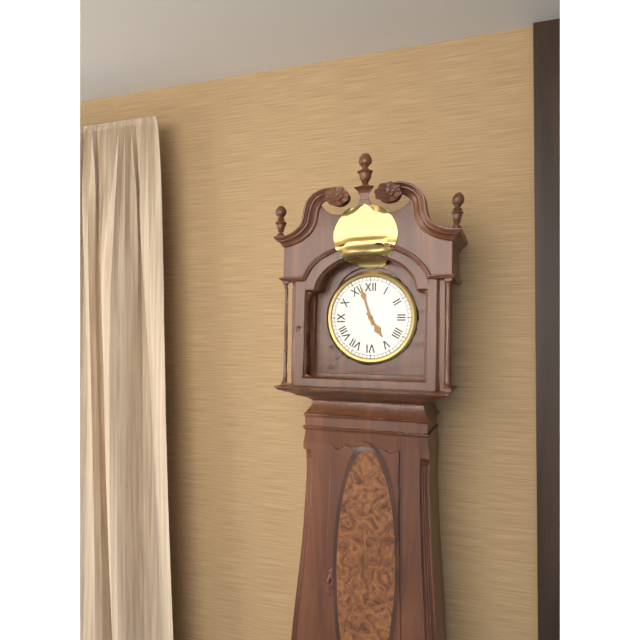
4:57
